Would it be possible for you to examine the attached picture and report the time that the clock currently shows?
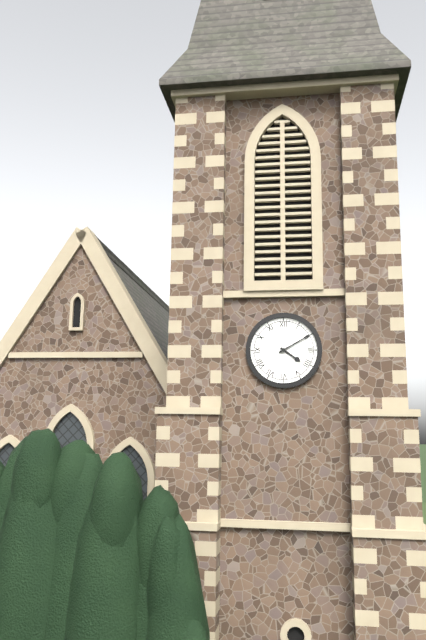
4:10
